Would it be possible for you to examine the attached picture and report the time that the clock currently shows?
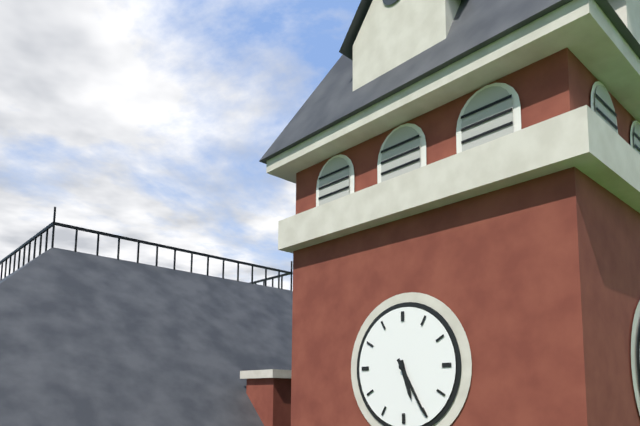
5:25
